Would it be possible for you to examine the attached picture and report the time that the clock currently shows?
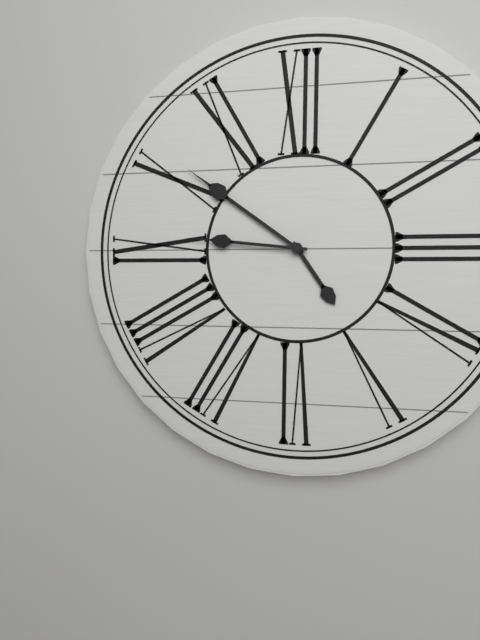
4:51:46
